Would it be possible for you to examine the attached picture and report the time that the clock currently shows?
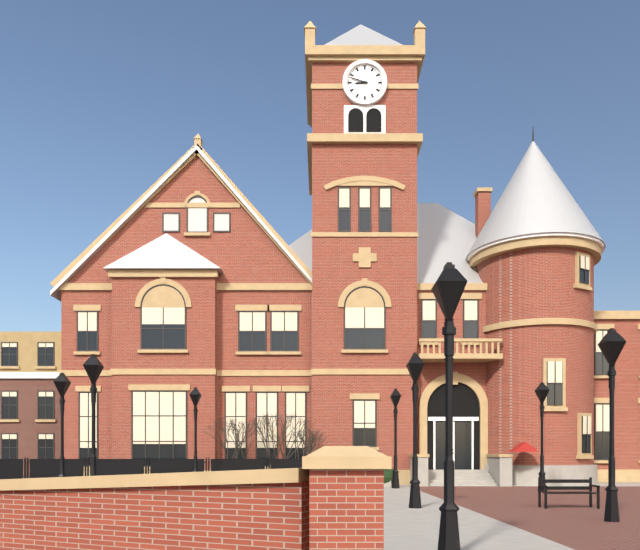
8:48
